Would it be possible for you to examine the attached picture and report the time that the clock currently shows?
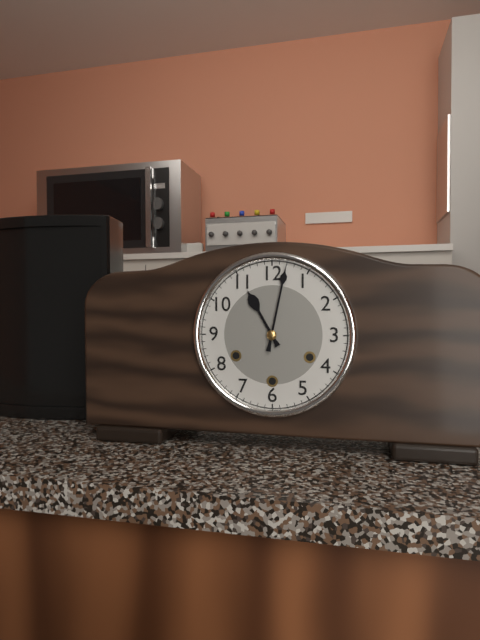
11:02
